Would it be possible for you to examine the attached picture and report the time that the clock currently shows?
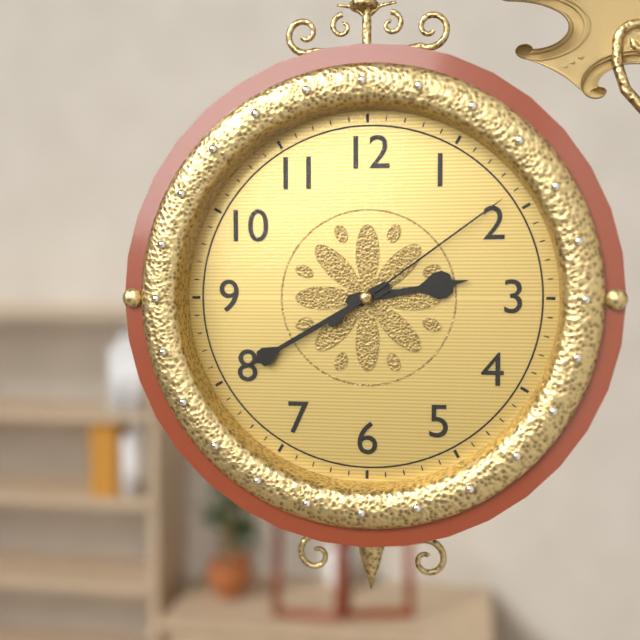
2:40:09
